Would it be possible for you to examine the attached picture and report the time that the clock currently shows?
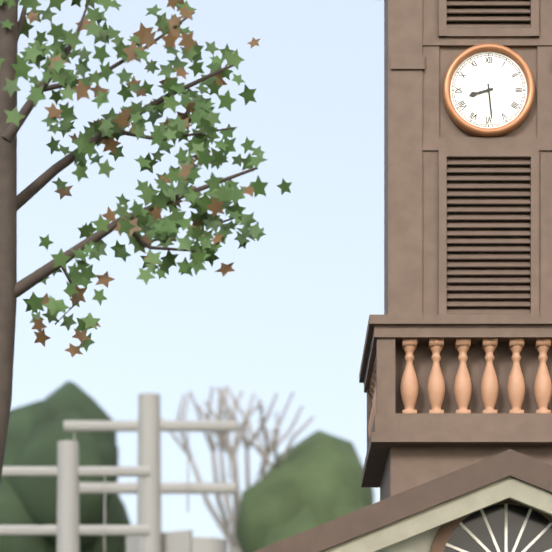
8:29
